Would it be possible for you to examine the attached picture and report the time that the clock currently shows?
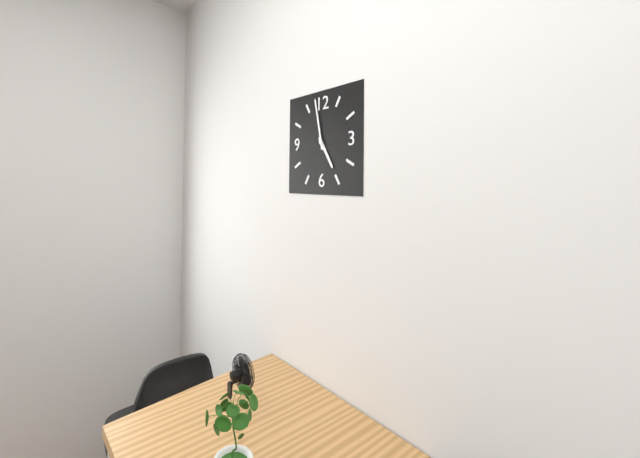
4:58
